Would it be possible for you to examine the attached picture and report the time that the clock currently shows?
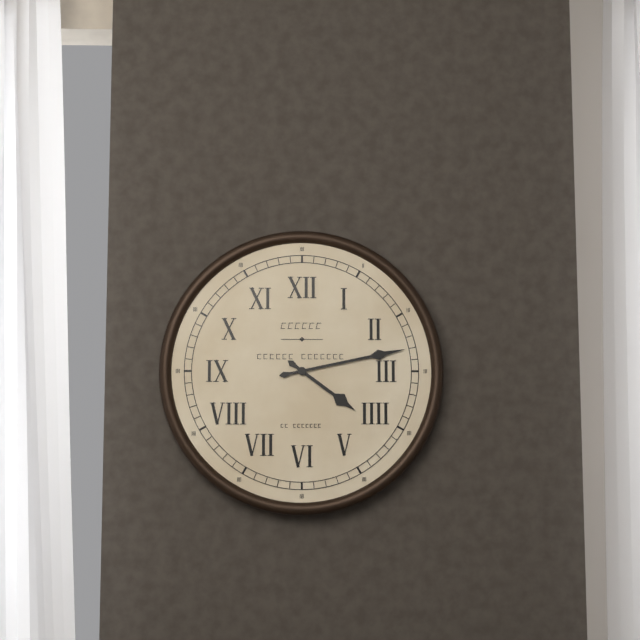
4:13
